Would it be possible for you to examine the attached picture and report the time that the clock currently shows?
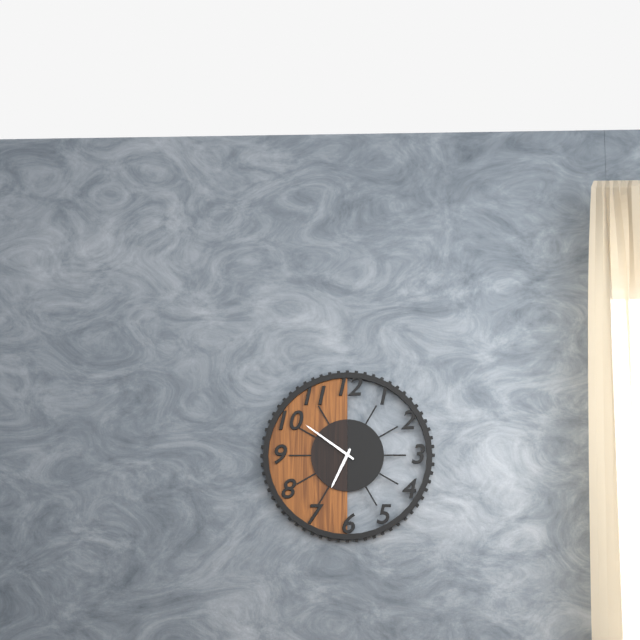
6:51
